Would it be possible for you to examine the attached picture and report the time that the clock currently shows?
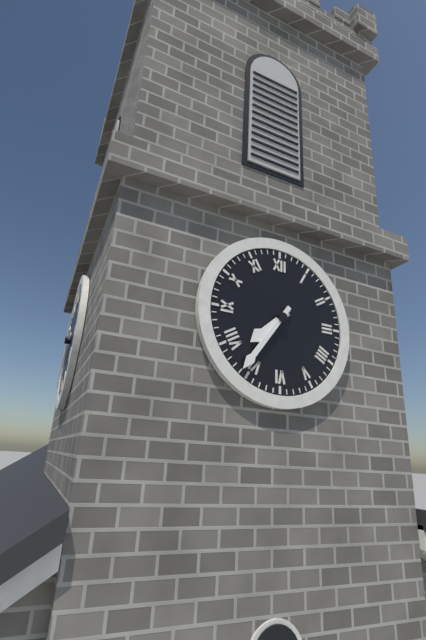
7:36
